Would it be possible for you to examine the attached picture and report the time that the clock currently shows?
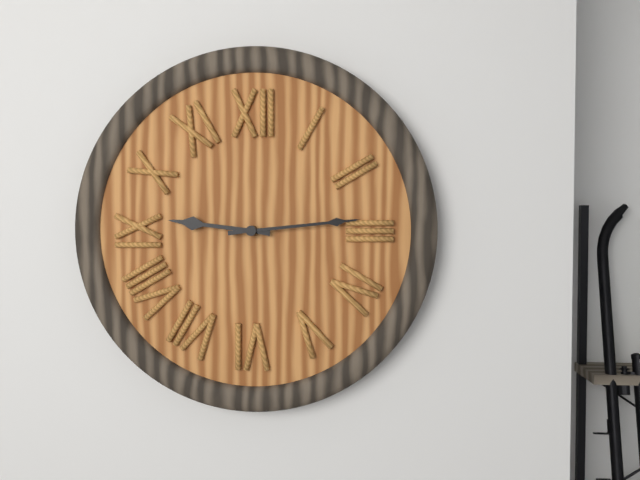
9:14
